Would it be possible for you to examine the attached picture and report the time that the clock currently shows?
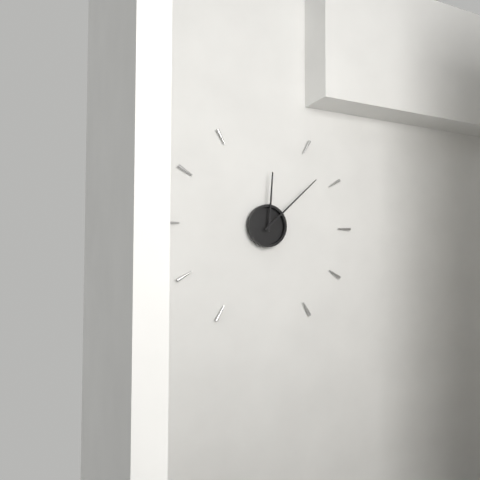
12:08
